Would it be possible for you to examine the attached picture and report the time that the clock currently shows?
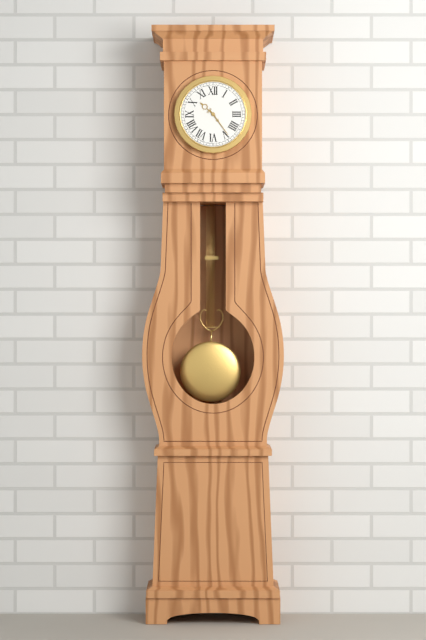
10:24
